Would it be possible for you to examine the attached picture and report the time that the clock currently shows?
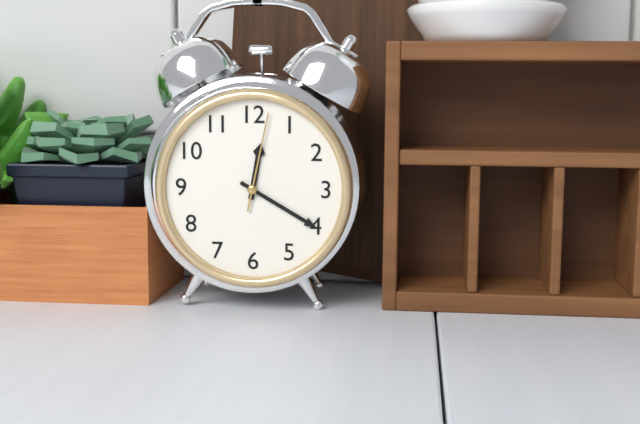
12:20:02
